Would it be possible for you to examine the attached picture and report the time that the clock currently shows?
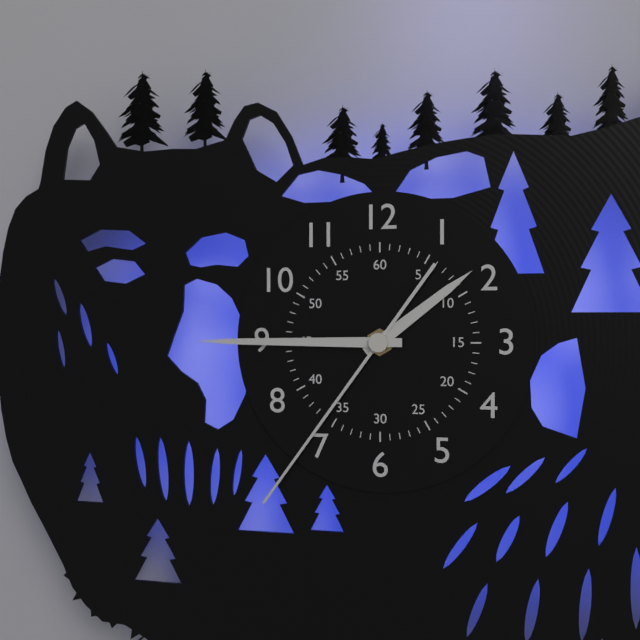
1:45:36
